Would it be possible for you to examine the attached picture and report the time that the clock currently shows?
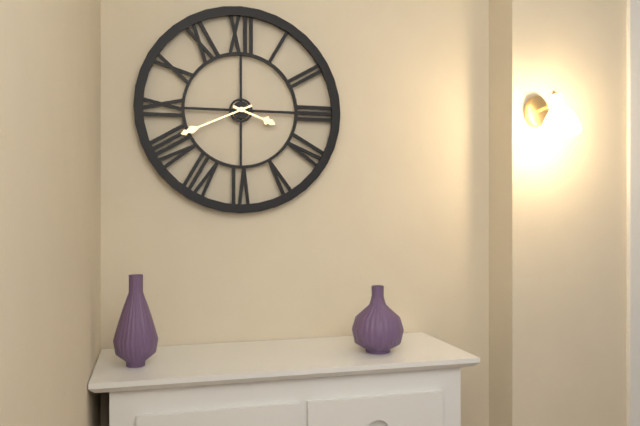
3:41
